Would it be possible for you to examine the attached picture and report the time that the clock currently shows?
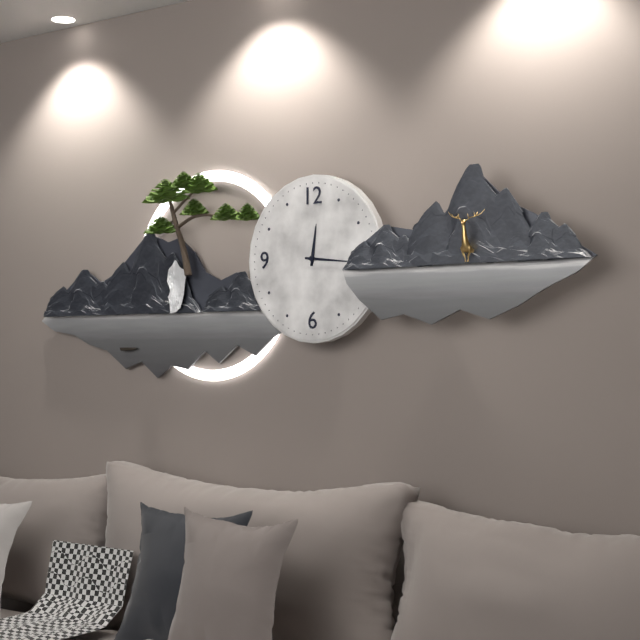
12:16
